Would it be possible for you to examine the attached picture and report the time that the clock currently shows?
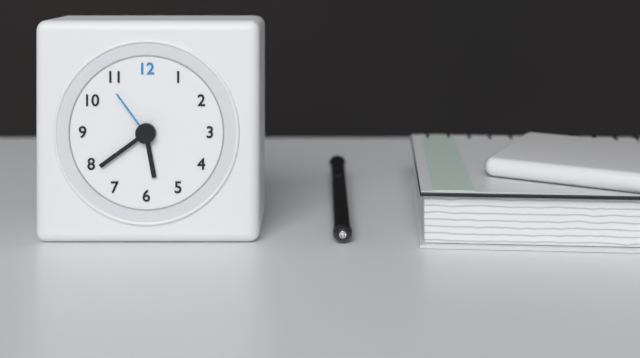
5:39:54
